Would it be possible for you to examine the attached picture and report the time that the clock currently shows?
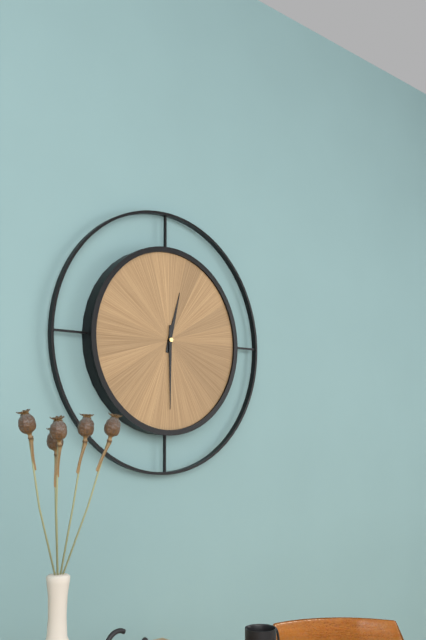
12:30
